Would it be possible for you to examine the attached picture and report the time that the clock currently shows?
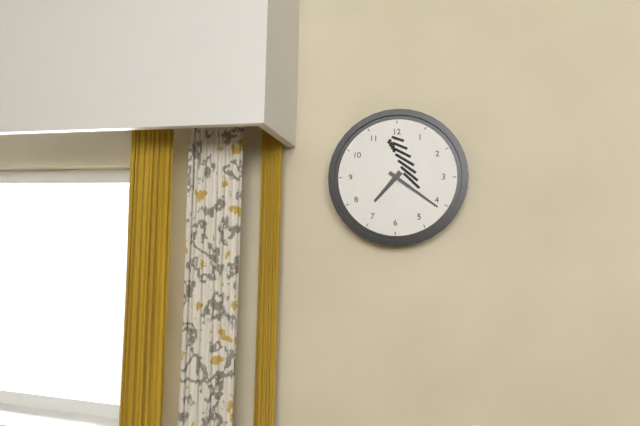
7:21
